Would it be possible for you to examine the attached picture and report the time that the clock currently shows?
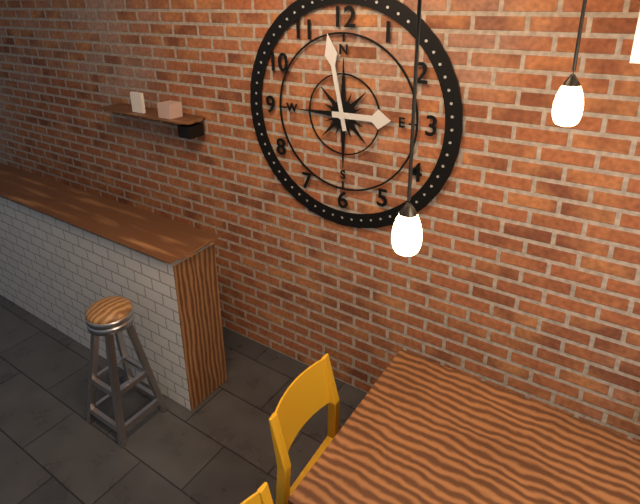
2:58
